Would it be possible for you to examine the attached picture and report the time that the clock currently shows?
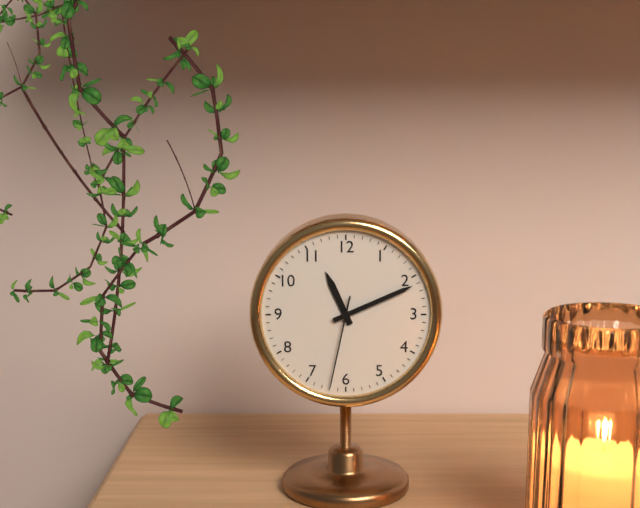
11:11:32
